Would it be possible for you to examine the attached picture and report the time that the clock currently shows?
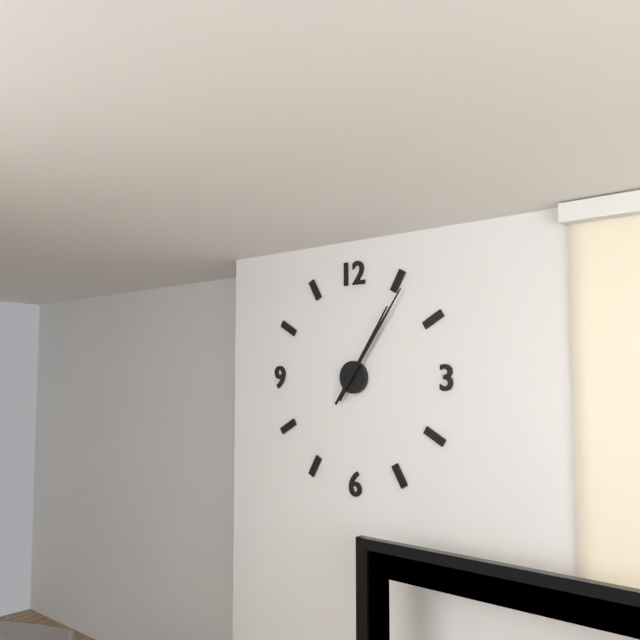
1:06
